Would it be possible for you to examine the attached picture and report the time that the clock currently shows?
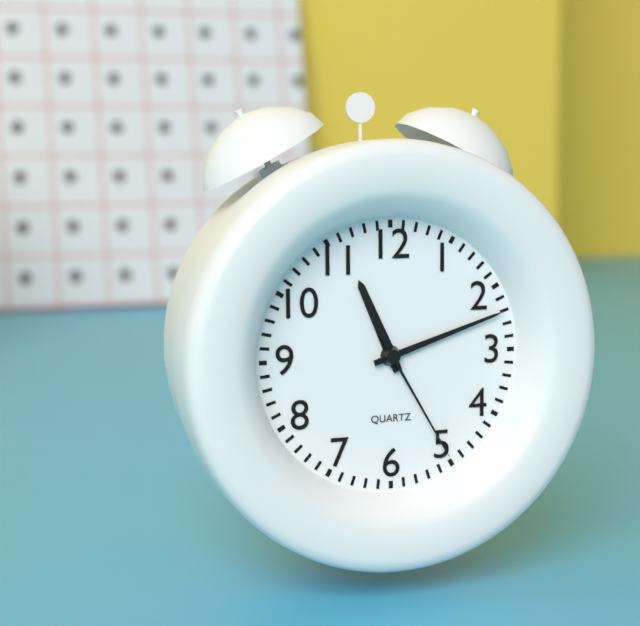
11:12:25
